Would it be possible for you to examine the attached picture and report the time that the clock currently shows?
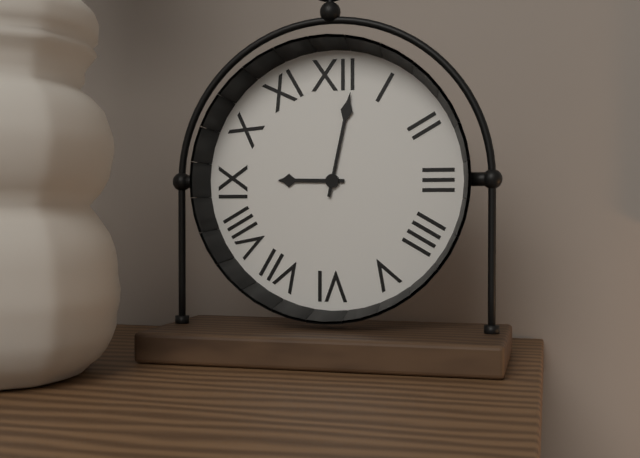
9:02
